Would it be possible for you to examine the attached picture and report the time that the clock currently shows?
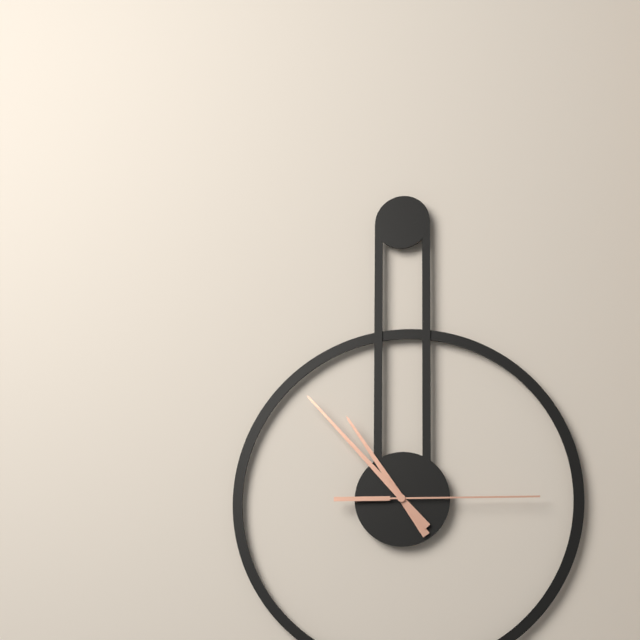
10:53:15
